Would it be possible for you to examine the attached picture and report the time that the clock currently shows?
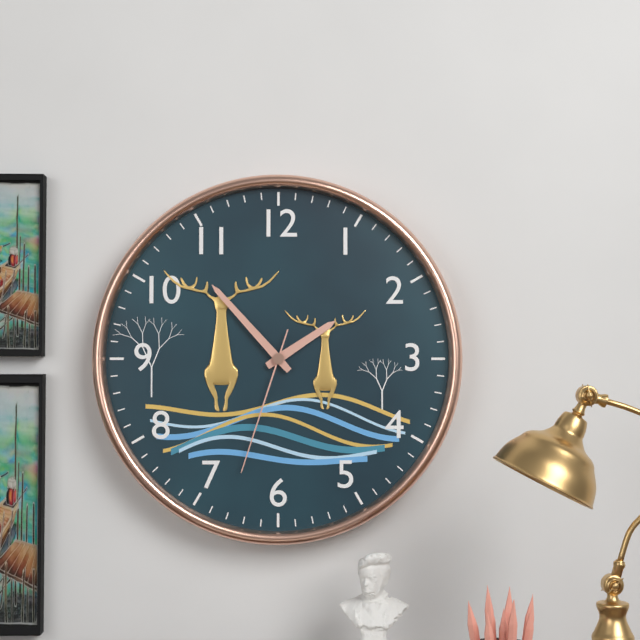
1:53:33
